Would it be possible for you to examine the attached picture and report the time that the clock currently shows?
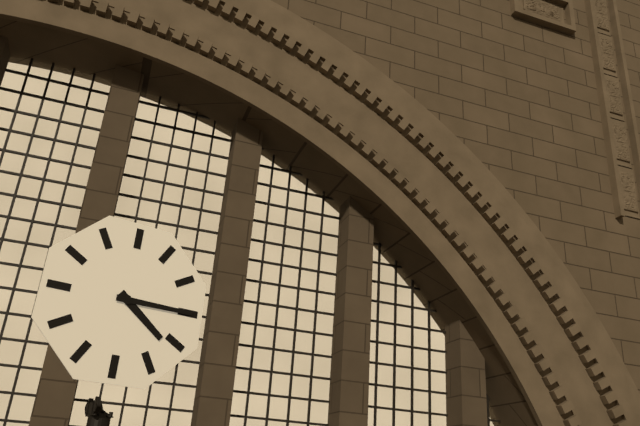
4:15
